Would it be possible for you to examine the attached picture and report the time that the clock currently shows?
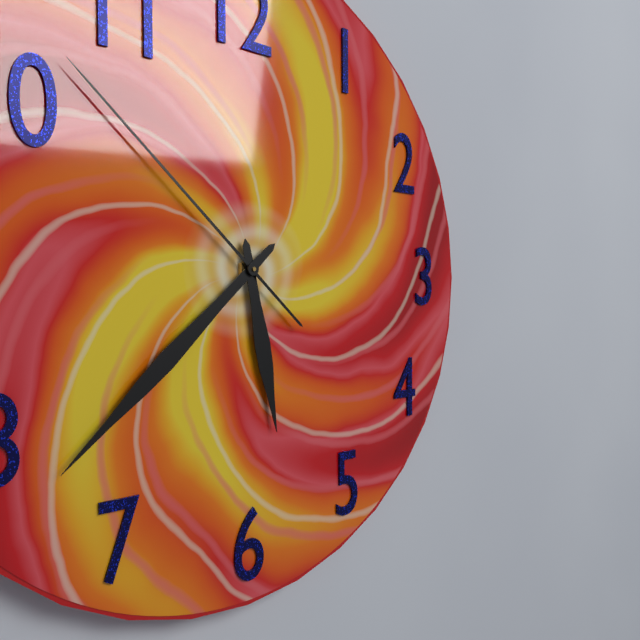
5:38:52
